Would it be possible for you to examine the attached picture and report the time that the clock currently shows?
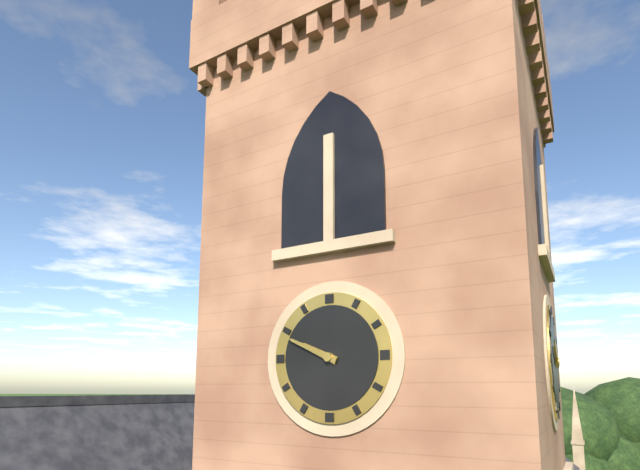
9:49
